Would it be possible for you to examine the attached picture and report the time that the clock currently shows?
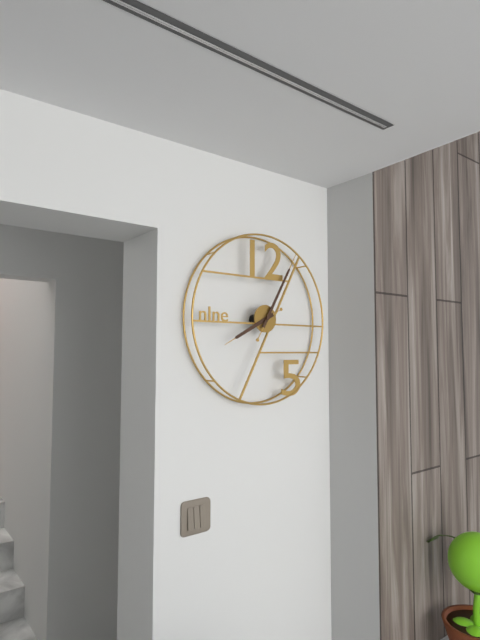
8:05
